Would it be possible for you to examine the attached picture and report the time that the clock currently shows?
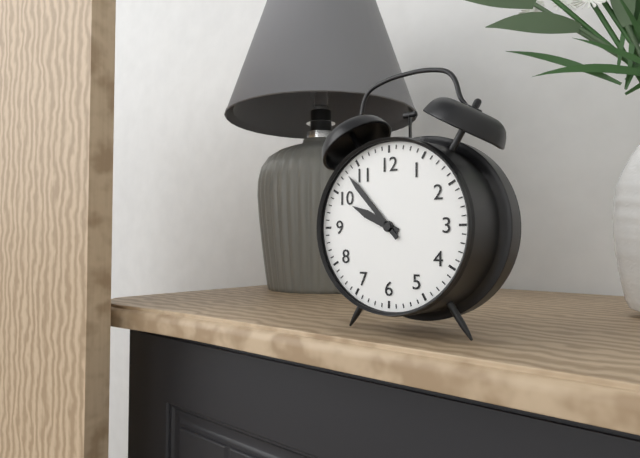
9:53
